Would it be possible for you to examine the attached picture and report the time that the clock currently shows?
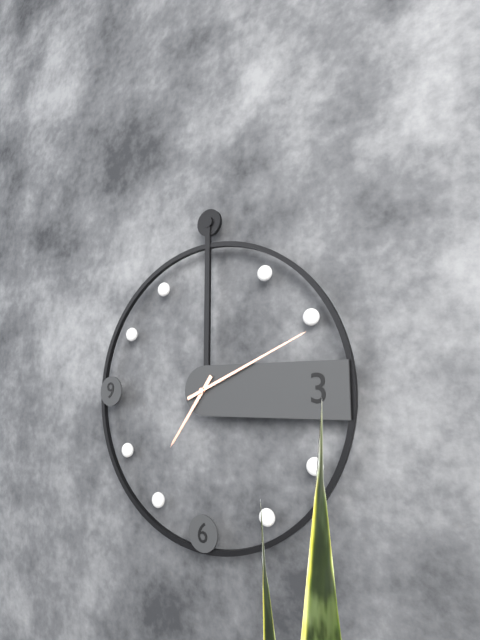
7:11
